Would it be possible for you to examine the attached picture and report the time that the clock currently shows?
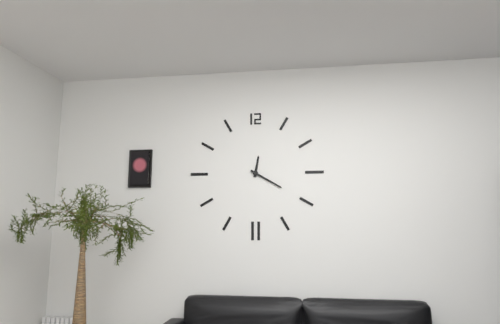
12:20
